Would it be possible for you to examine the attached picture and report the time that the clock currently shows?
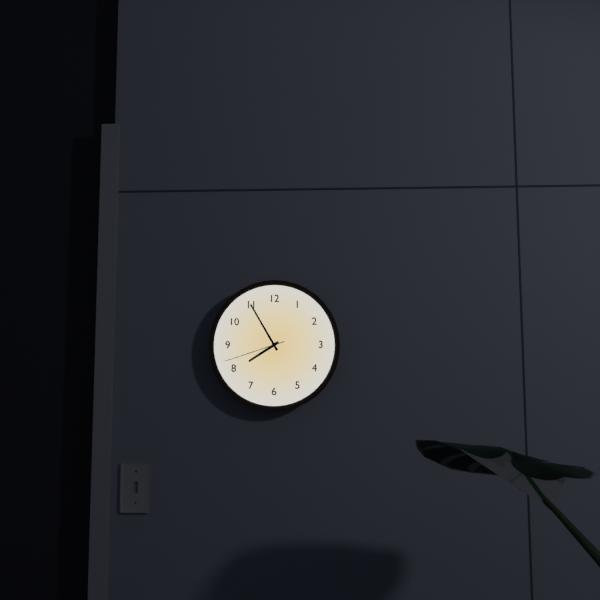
7:55:42
